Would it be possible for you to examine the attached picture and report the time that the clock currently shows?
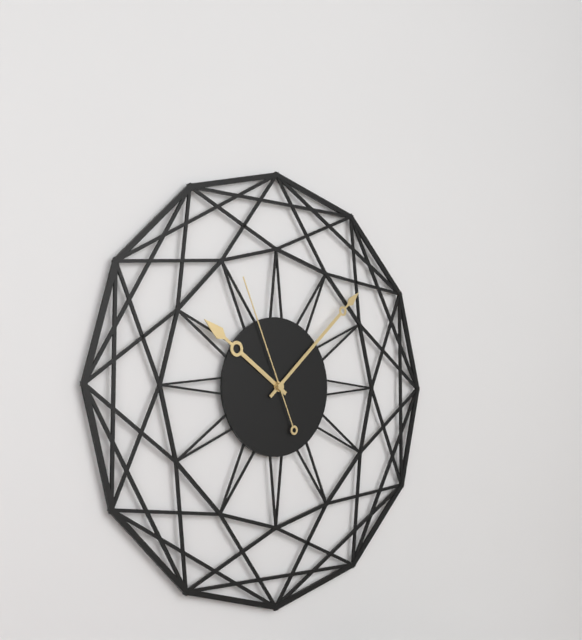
10:08:56
